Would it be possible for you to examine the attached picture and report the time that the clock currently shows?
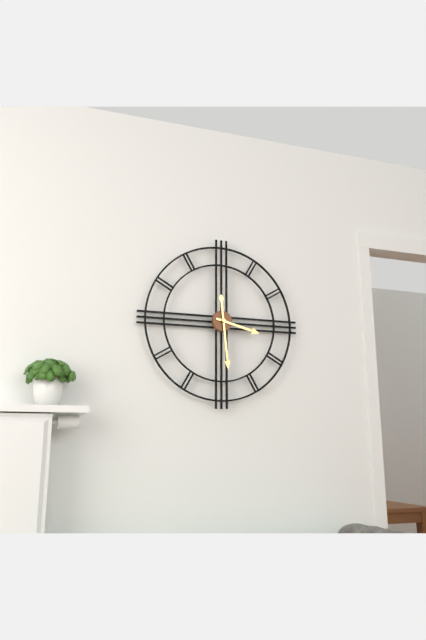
3:29
